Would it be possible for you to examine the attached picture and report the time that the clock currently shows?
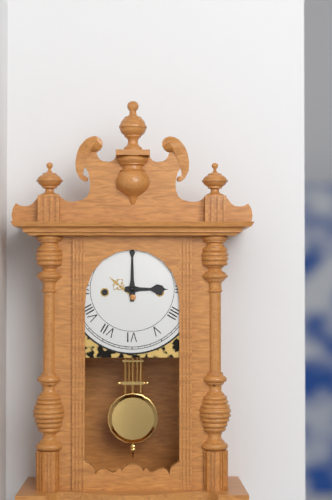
3:00
